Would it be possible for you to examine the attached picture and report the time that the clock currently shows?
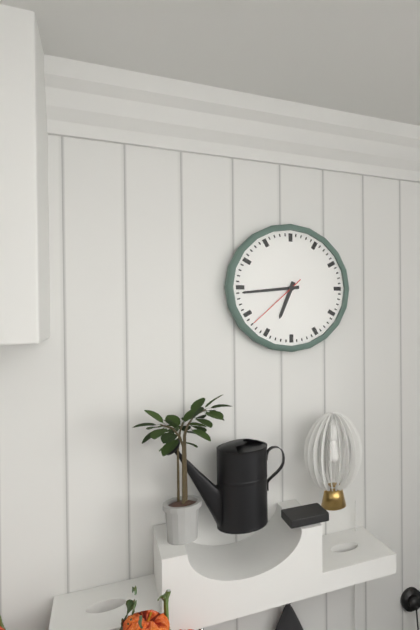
6:44:38
